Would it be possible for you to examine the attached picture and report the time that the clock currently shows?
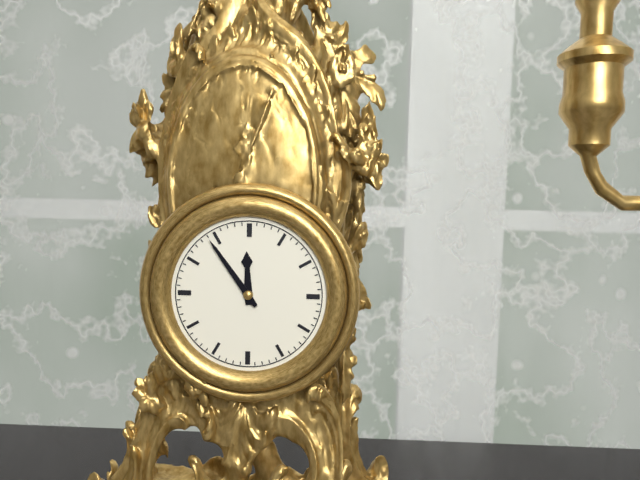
11:54
